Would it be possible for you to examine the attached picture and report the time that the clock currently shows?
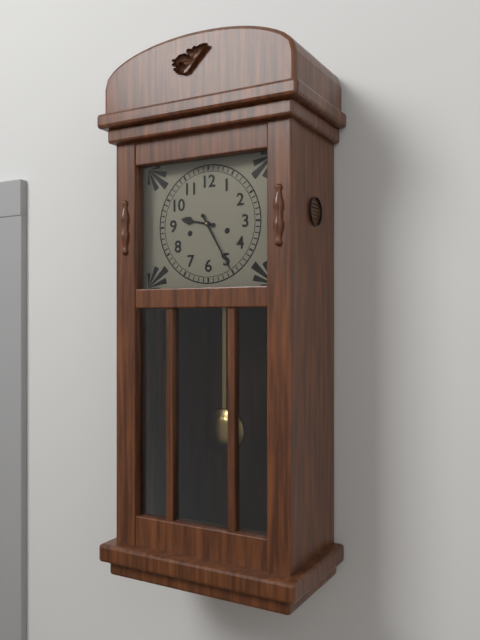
9:25
